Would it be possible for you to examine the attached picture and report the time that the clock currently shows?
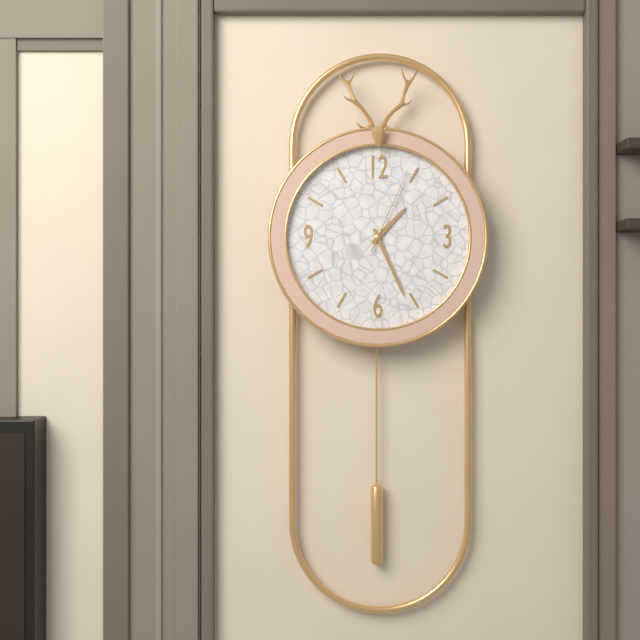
1:26:04
